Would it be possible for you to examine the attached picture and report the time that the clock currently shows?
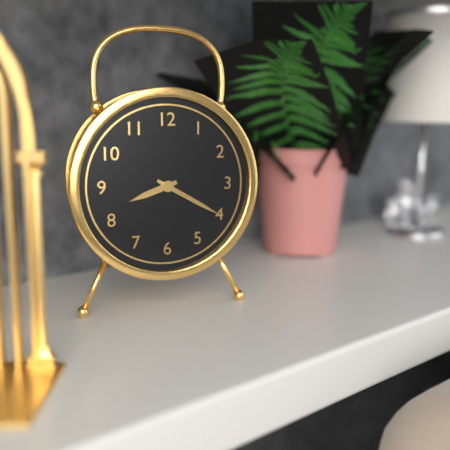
8:20
